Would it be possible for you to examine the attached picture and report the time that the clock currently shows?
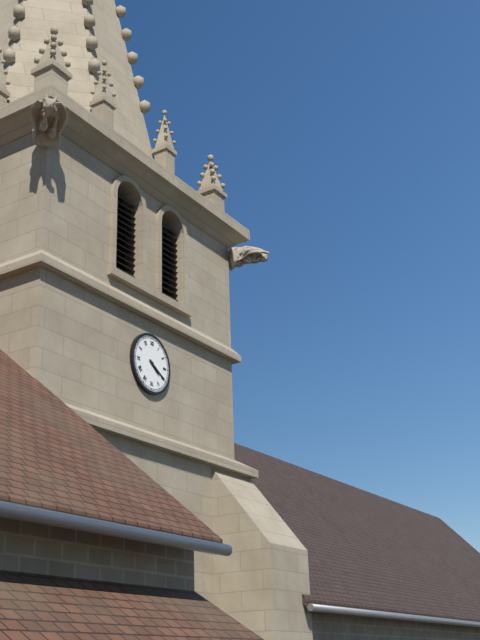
4:20
